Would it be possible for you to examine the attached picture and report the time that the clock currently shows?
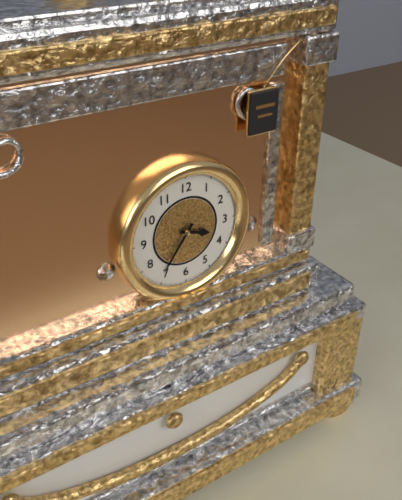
3:36
